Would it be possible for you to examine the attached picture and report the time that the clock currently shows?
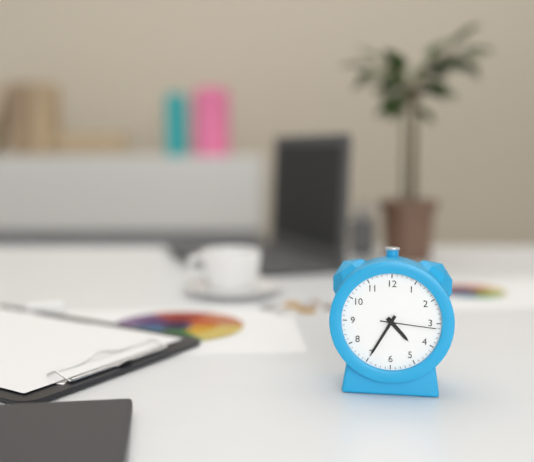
4:35:16
